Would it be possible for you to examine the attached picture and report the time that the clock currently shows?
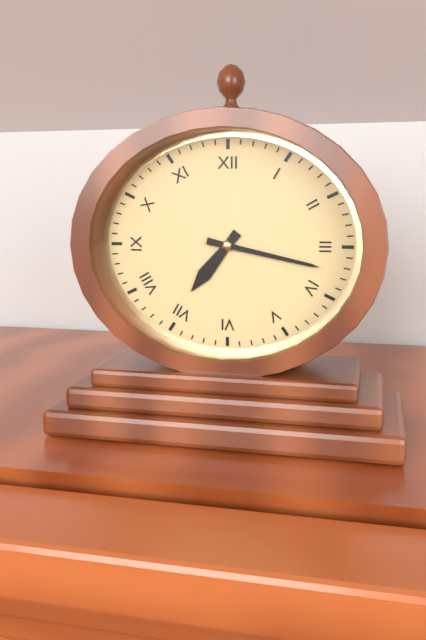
7:17
